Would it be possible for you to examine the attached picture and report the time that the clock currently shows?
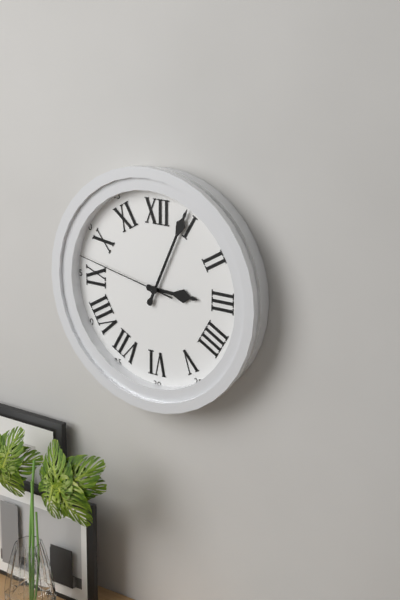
3:04:47
